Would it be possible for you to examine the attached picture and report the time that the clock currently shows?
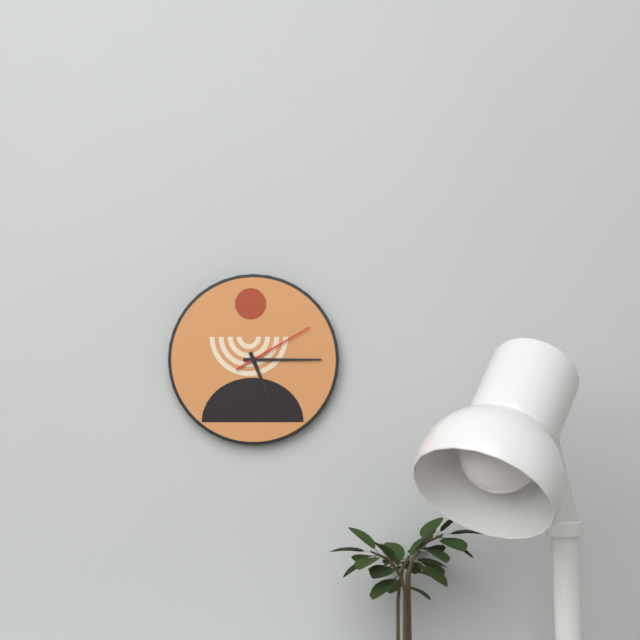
5:15:10
